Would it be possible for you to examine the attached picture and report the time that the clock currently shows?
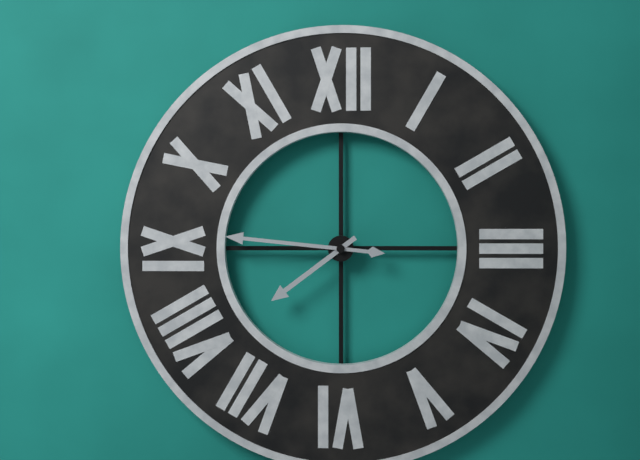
7:46
